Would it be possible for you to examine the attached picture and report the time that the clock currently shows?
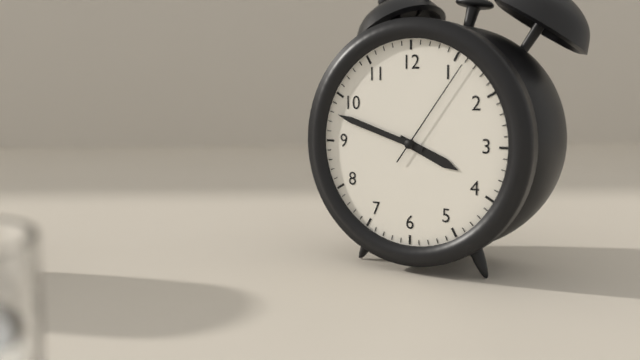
3:48:06
